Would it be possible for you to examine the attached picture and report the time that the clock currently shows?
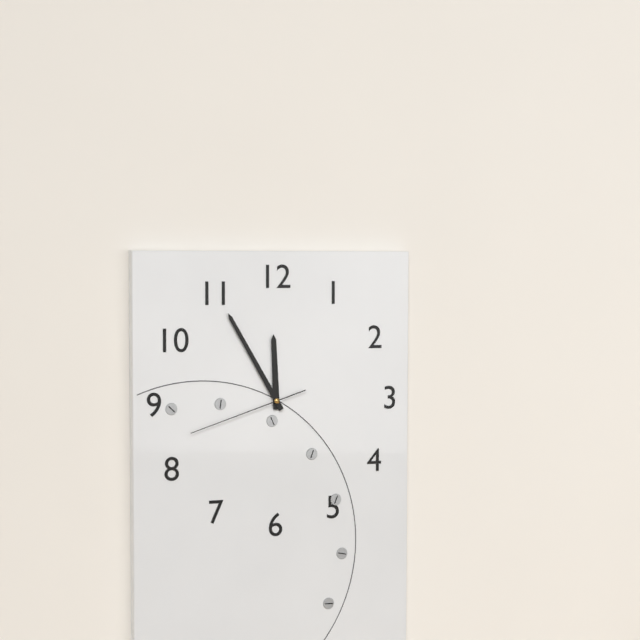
11:55:42
